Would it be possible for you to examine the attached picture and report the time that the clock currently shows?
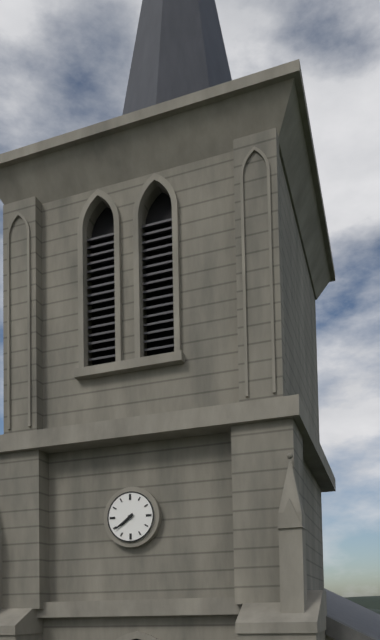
7:39
